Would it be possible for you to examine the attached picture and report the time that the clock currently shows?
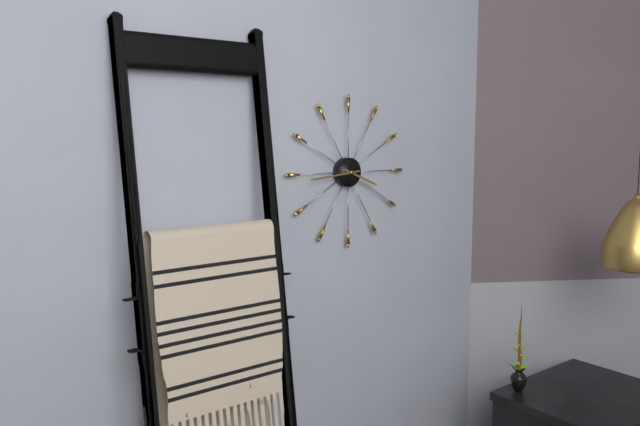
3:44
